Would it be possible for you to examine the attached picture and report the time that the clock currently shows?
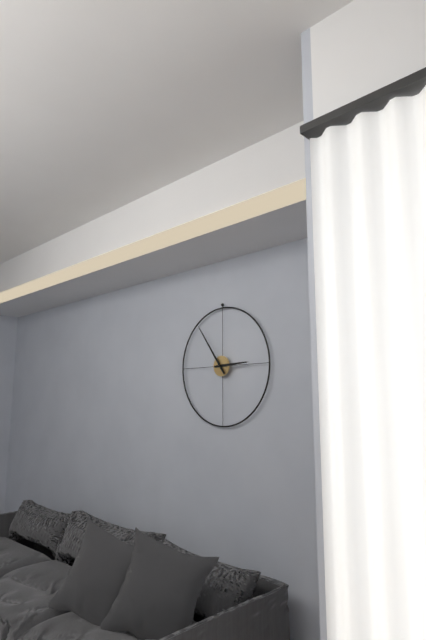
2:54
